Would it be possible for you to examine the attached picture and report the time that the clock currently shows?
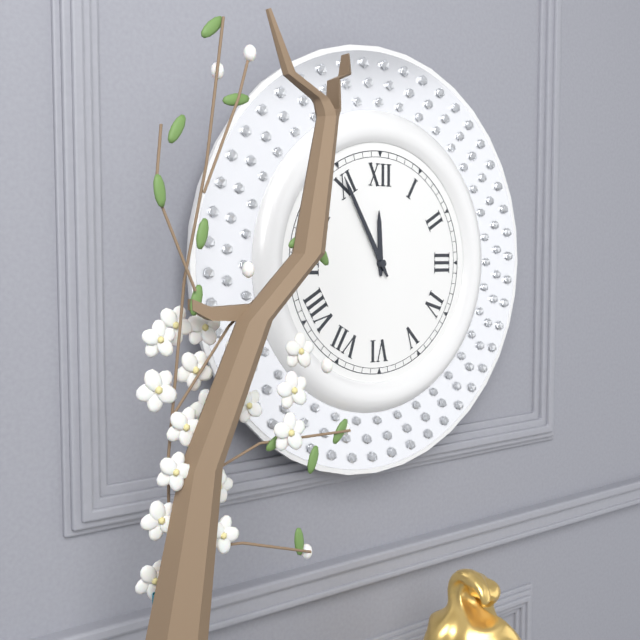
11:55
